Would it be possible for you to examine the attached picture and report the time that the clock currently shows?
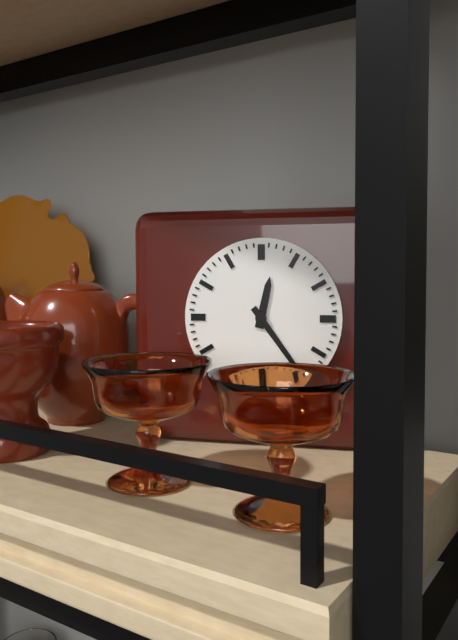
12:24
